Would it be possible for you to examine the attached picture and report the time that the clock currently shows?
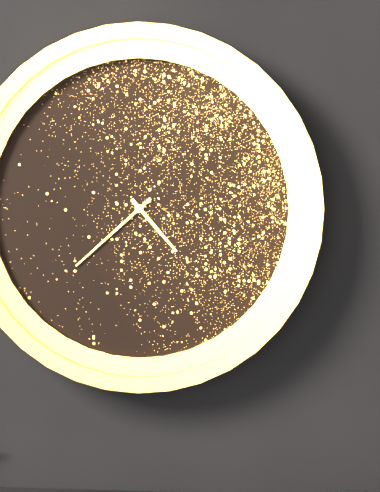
4:38
